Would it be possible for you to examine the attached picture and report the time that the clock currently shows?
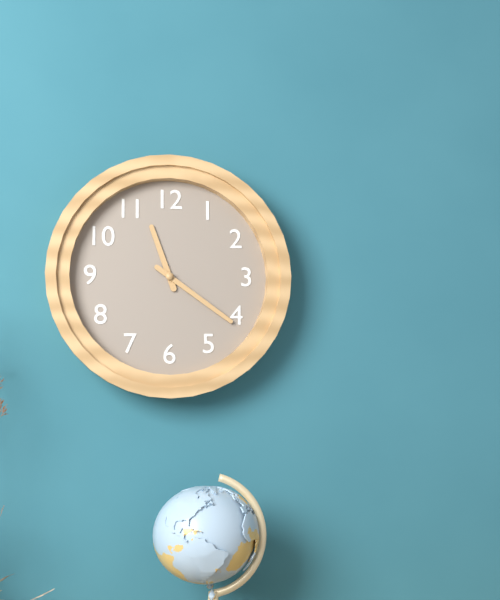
11:21
